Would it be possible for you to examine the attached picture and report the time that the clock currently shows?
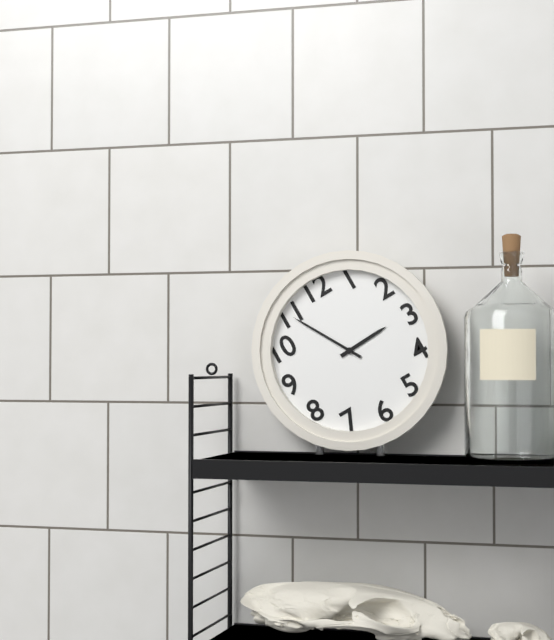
2:55
